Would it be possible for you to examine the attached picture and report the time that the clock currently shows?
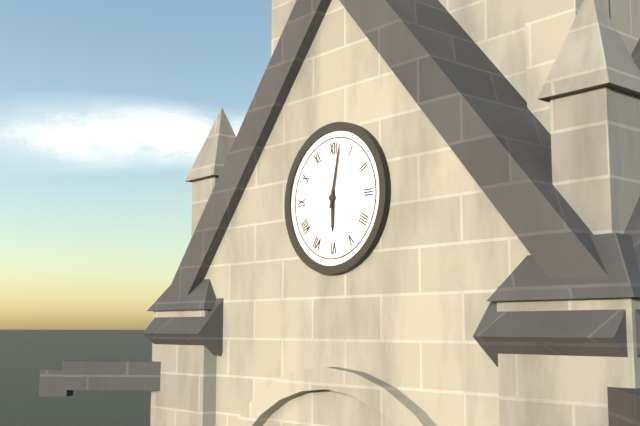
6:02
